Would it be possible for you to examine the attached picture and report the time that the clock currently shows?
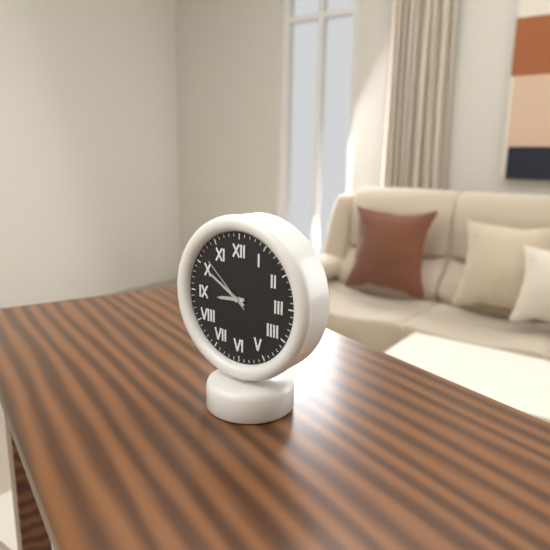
8:50:52
